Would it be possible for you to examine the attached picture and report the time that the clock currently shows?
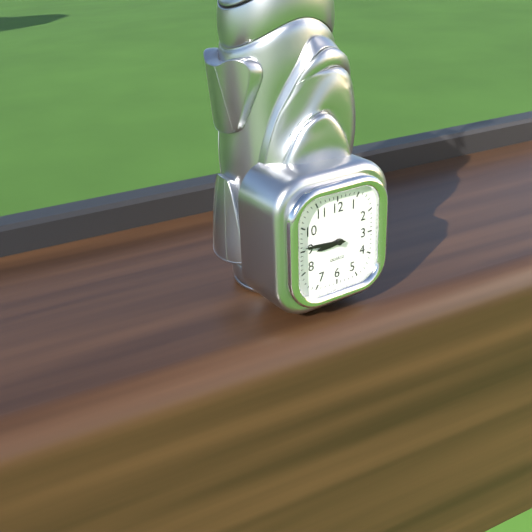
8:46
